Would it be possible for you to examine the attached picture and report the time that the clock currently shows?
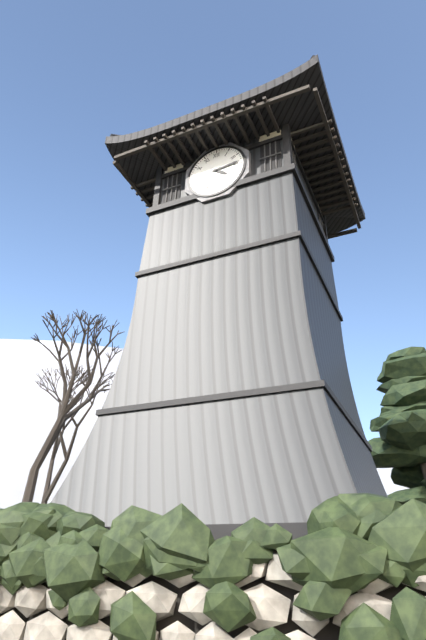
4:14
